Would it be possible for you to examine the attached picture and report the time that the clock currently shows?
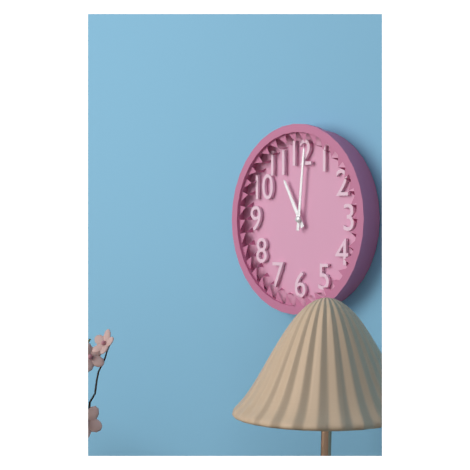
11:01
